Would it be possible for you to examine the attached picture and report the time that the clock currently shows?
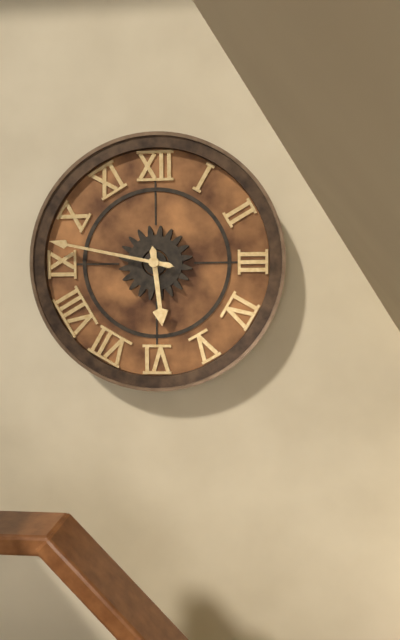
5:47
